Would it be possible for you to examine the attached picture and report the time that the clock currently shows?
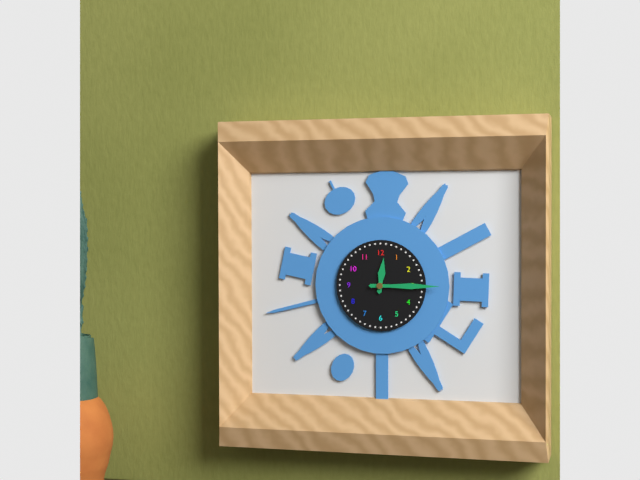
12:15
